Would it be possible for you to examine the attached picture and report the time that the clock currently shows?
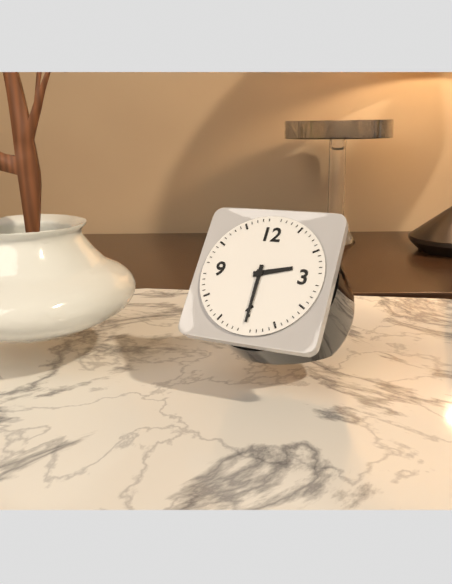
2:30
